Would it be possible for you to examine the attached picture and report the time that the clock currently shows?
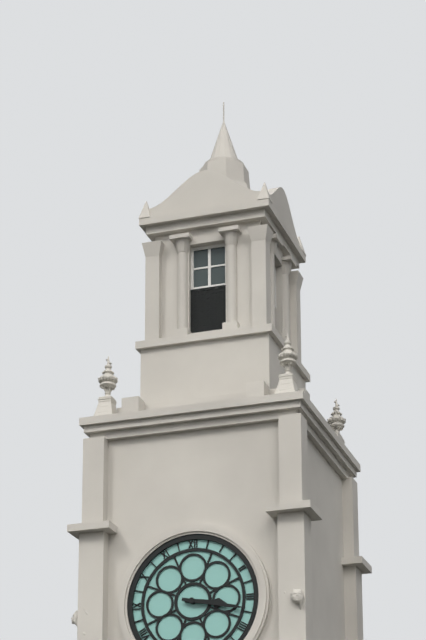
3:17
